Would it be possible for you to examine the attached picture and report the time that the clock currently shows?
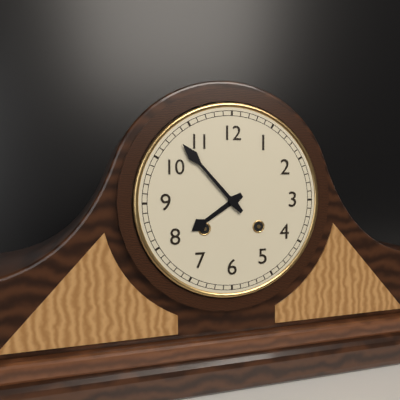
7:53
